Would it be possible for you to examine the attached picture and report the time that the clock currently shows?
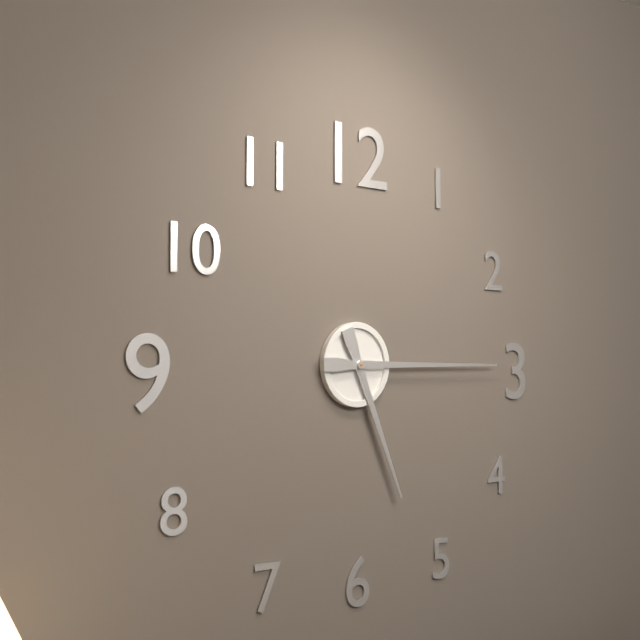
5:15
